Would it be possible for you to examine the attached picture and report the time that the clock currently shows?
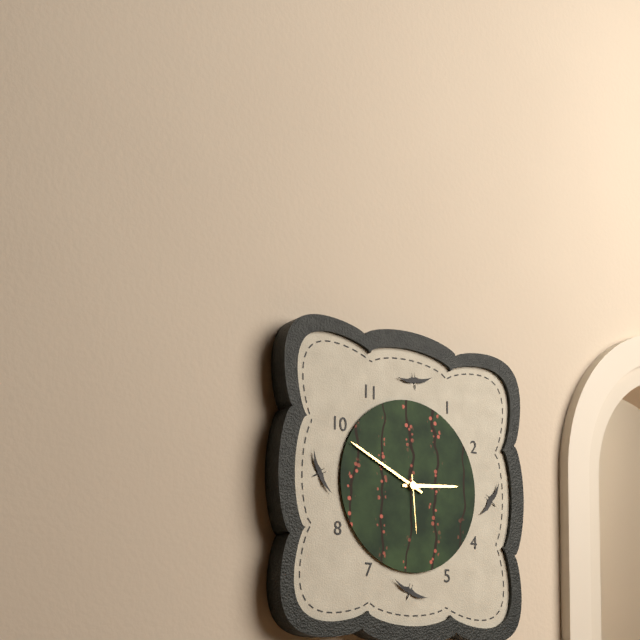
2:49:29
